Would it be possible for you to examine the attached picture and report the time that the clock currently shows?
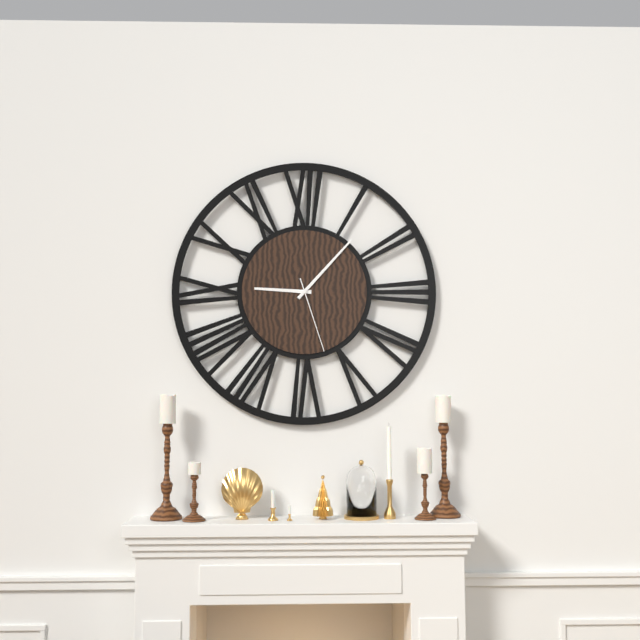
9:07:27
